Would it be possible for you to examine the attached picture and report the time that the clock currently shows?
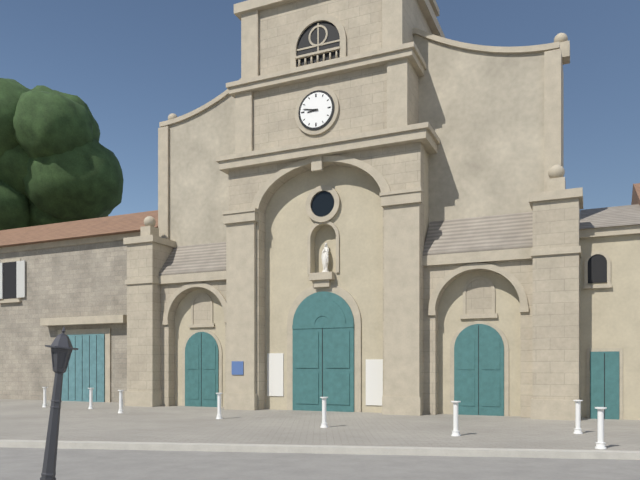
8:47
